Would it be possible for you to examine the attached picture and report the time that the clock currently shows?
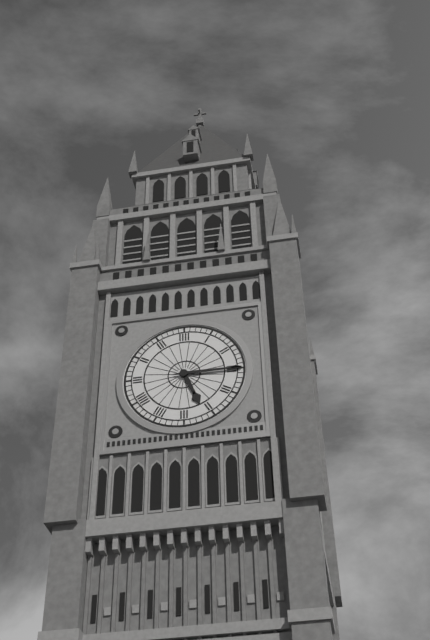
5:15
